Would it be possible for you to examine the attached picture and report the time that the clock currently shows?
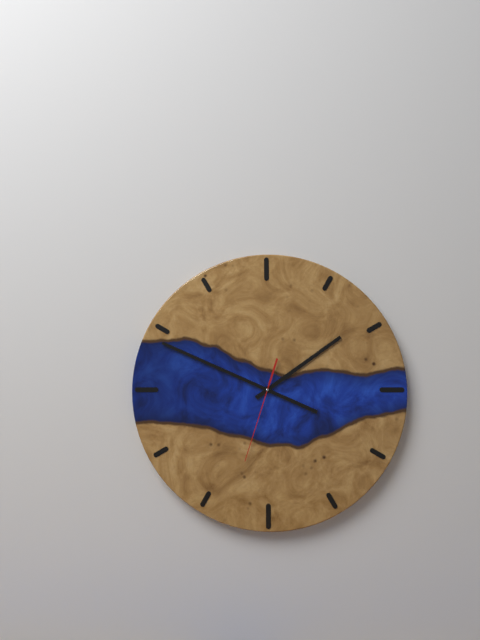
1:49:33
